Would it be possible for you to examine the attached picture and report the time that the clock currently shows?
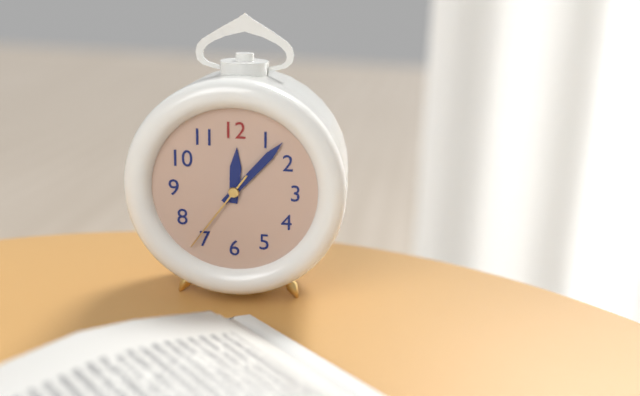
12:07:36
